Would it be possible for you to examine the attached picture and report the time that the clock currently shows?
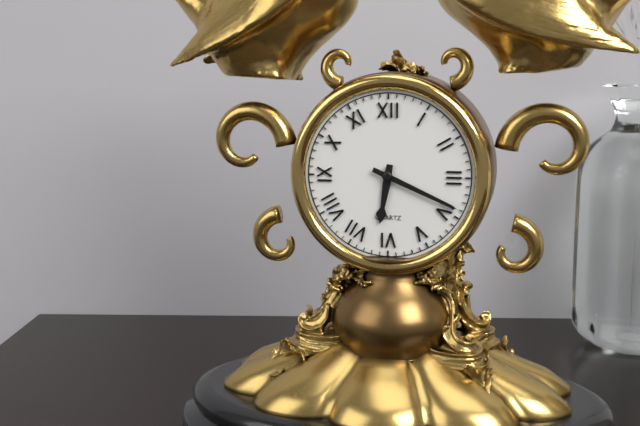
6:19
